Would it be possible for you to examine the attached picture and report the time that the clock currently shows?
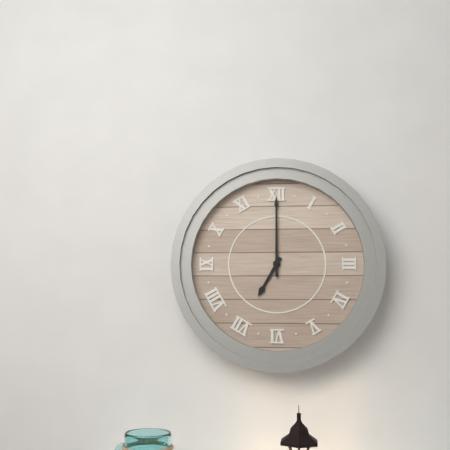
7:00
